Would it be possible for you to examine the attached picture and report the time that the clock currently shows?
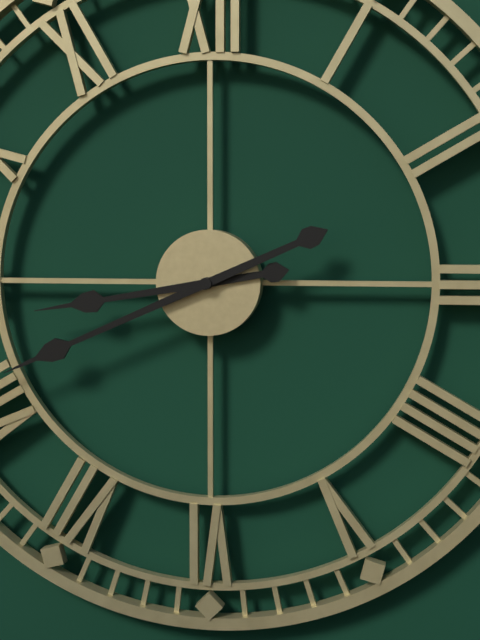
8:41
